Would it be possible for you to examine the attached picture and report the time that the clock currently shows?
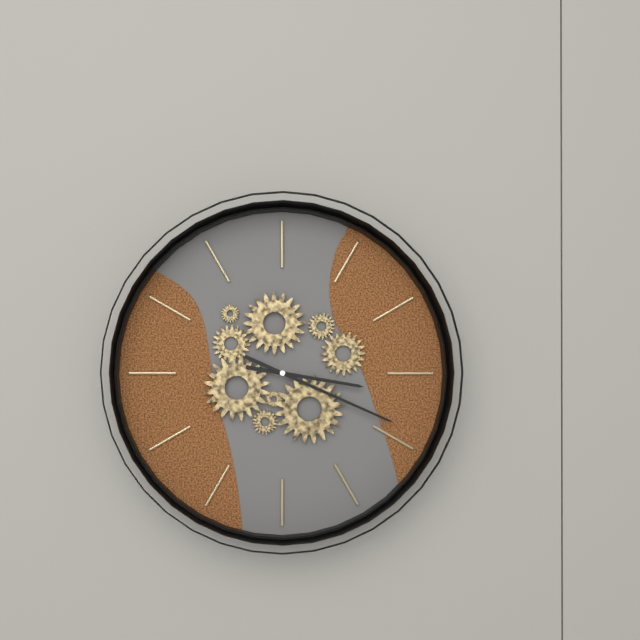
3:19
